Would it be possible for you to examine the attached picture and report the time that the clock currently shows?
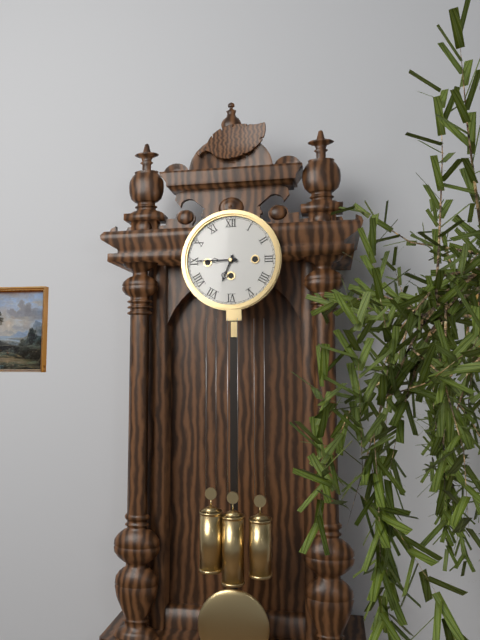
6:45
